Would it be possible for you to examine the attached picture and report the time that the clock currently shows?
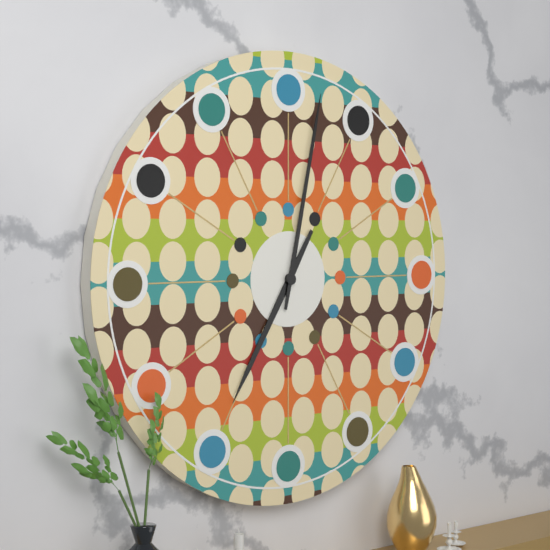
7:02
